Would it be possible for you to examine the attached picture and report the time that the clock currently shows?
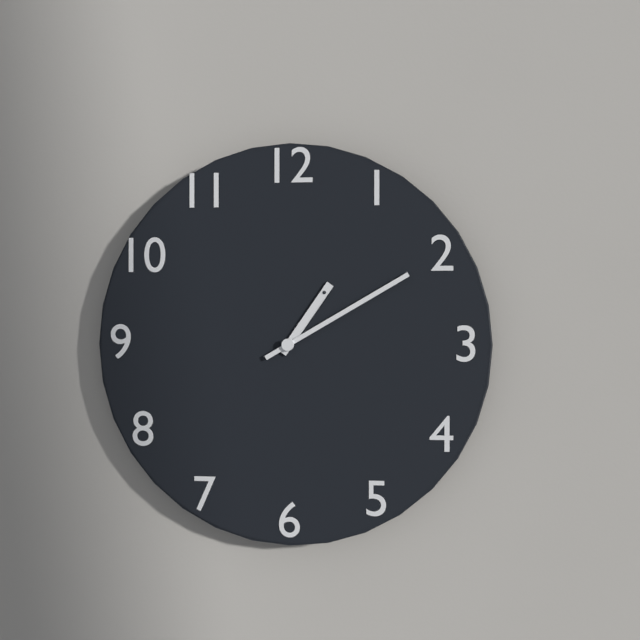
1:10
